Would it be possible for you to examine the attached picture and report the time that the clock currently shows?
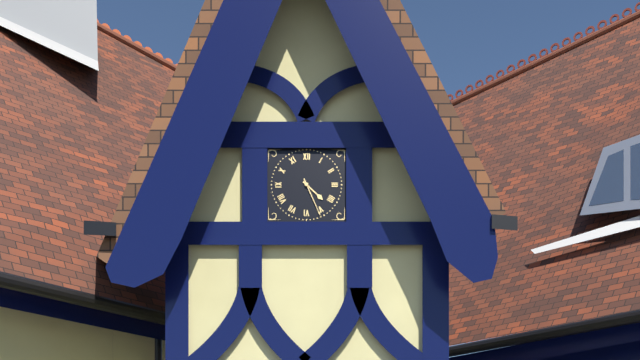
4:26
